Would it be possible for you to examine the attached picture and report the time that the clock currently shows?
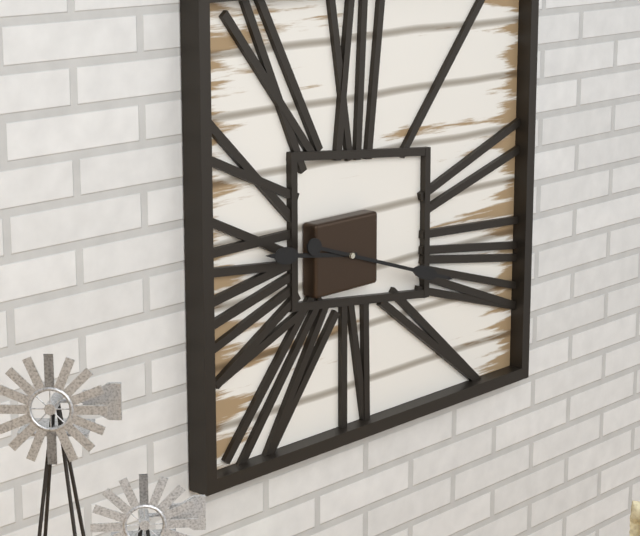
9:18
